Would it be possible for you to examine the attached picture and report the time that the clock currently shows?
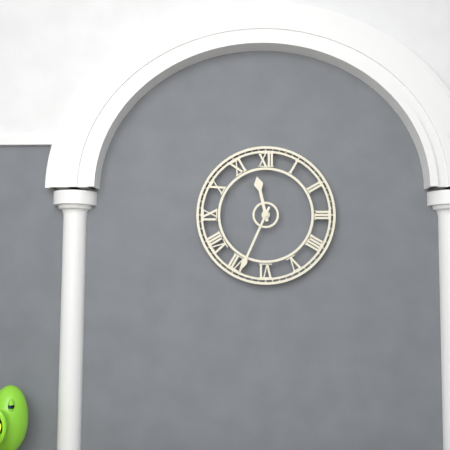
11:34
